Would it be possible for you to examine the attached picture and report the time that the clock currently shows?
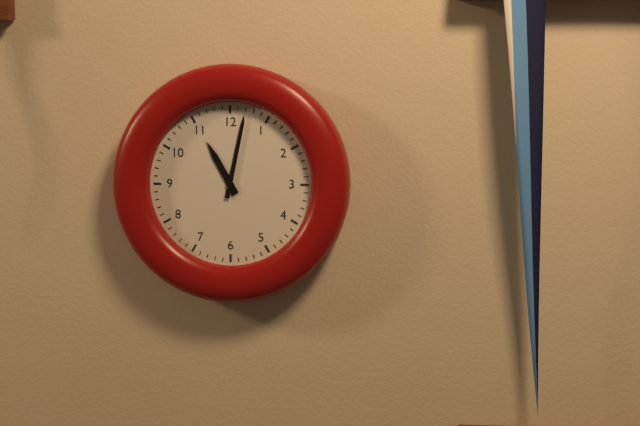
11:02
